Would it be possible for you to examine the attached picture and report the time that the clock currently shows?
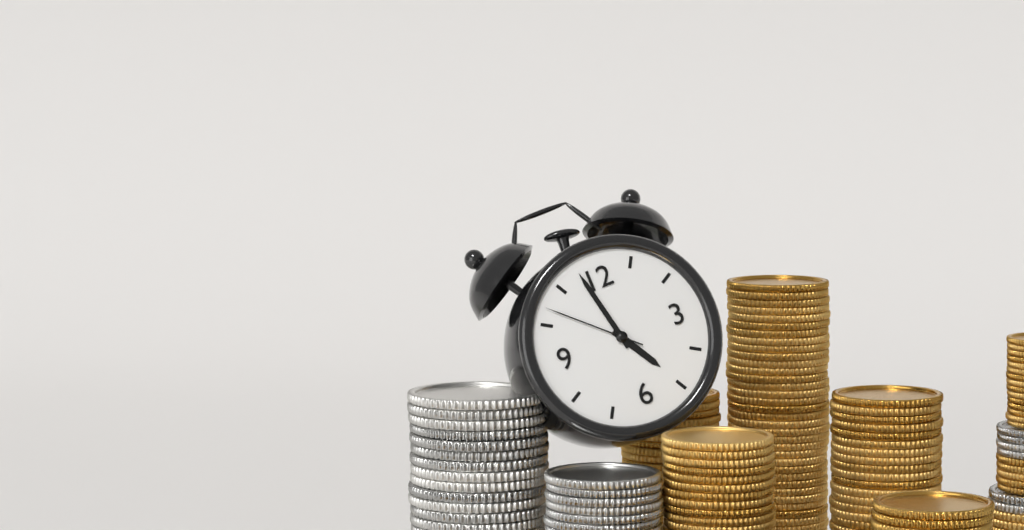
4:58:52
